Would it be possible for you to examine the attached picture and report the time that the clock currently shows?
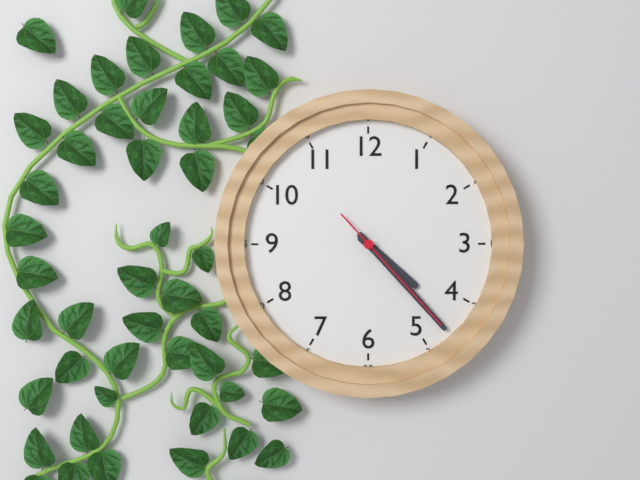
4:23:23
